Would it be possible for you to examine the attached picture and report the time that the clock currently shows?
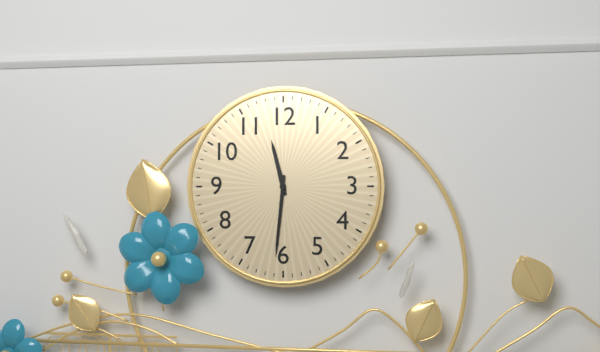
11:31
